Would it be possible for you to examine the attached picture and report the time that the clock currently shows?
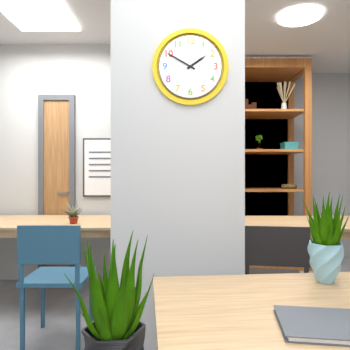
1:50
